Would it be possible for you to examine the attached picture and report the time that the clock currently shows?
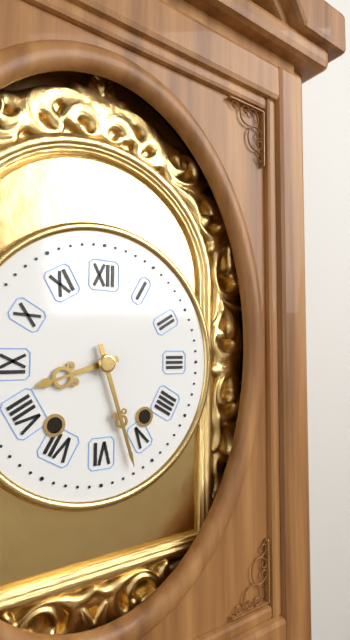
8:27
